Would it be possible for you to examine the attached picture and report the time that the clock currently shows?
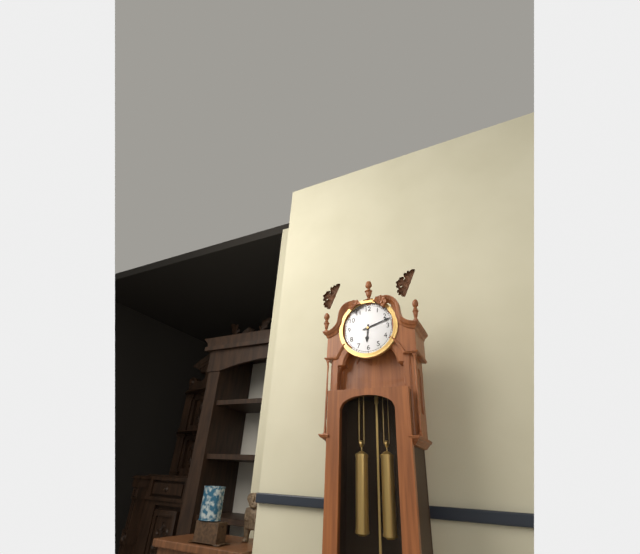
6:12
